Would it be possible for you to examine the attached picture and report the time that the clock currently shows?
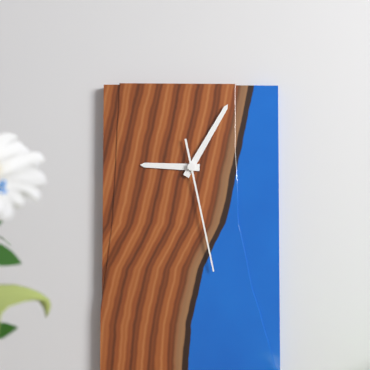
9:05:28
